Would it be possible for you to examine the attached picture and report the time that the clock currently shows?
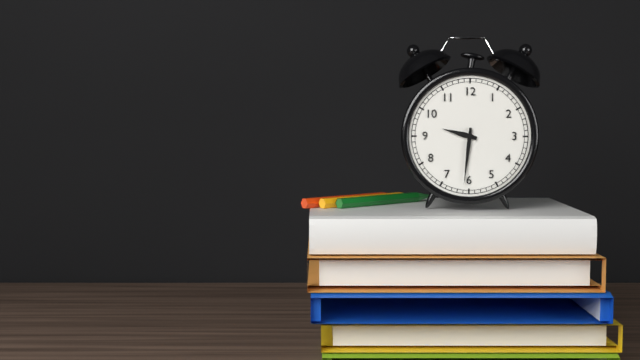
9:31
